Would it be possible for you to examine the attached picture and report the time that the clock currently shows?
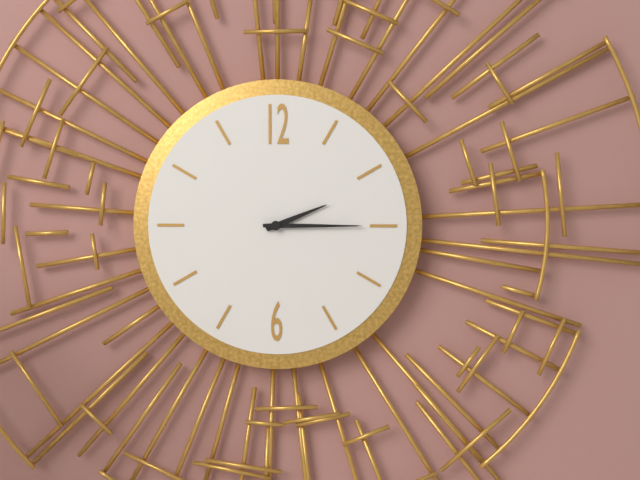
2:15
